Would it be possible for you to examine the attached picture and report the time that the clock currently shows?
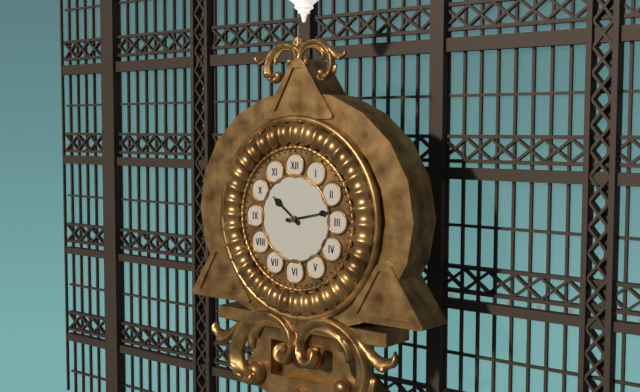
10:13
